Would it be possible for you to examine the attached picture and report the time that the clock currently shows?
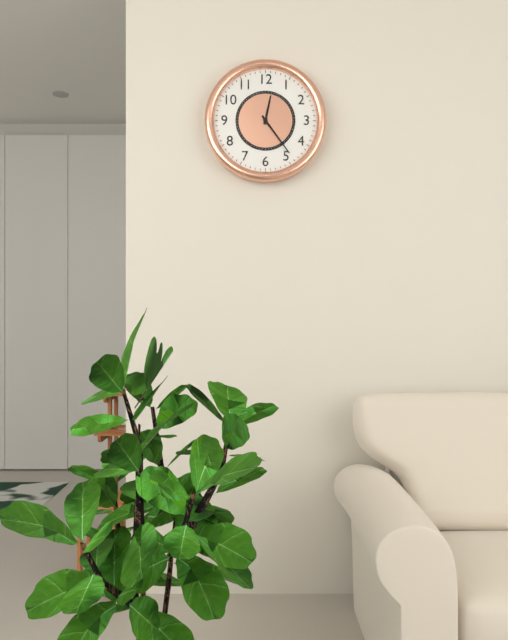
12:24
